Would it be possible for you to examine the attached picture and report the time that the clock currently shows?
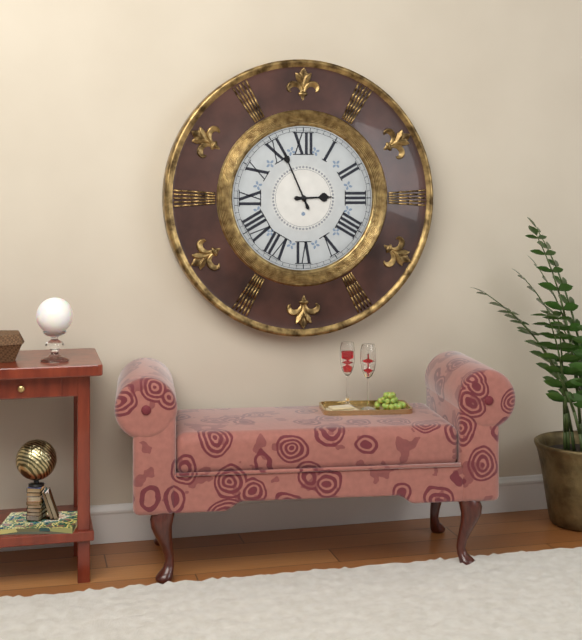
2:56
